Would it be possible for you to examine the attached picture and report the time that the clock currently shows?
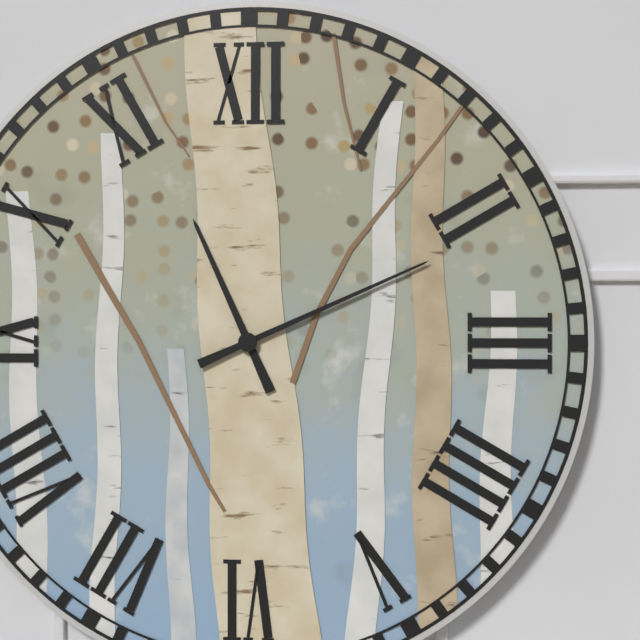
11:11
